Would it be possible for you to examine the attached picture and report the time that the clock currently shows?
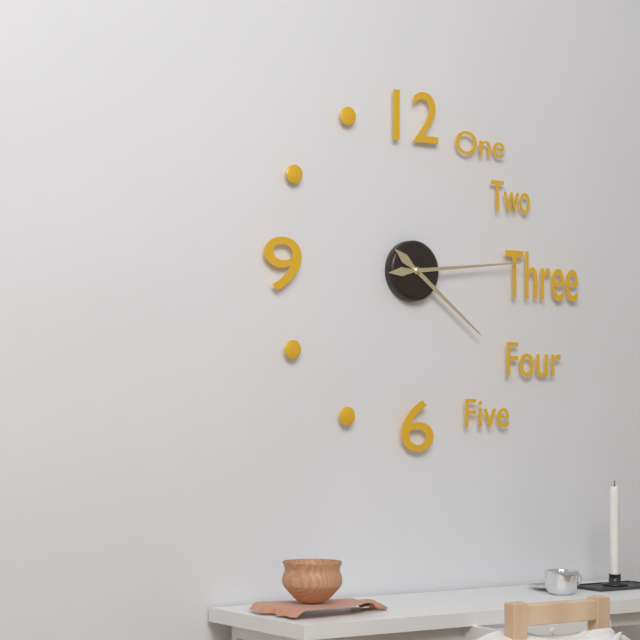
4:14
